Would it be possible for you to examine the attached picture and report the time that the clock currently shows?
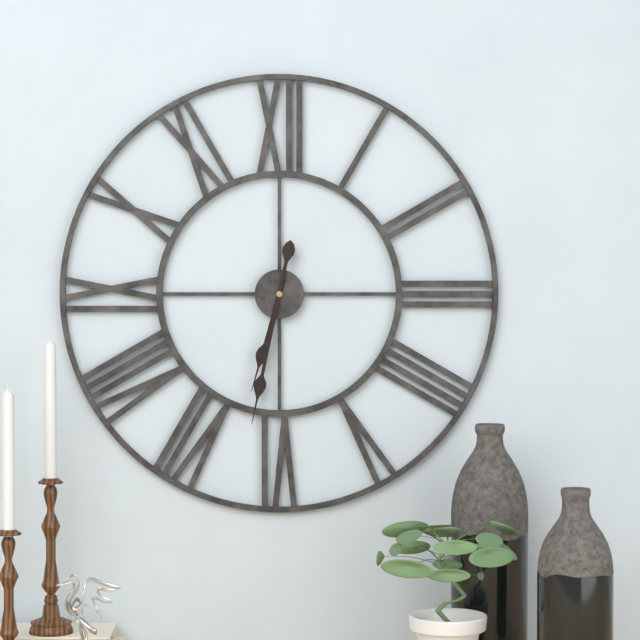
6:32
